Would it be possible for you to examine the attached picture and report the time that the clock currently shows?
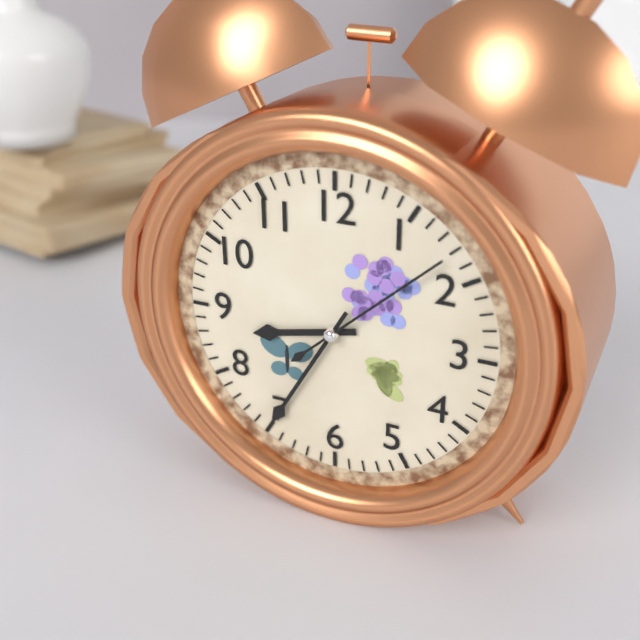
8:35:08
